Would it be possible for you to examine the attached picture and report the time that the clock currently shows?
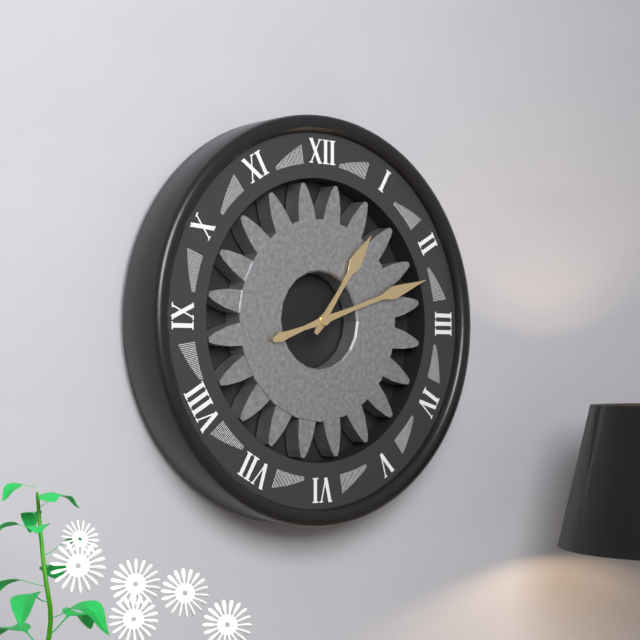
1:12
